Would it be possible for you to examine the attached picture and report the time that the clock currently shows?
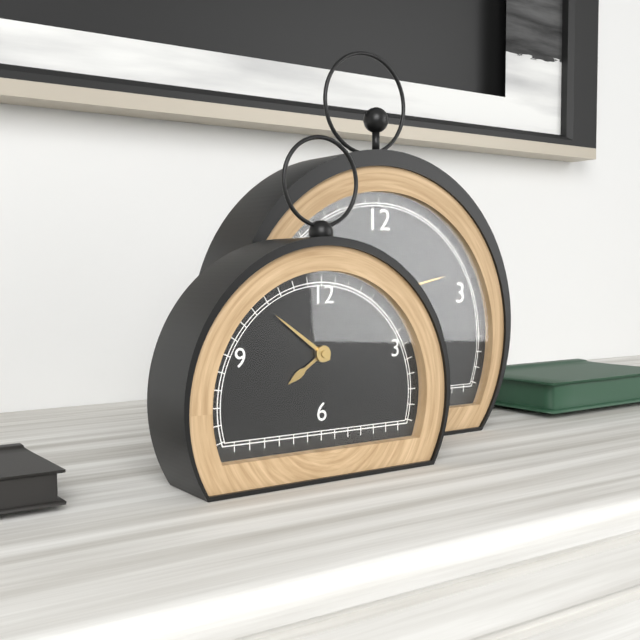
7:51
